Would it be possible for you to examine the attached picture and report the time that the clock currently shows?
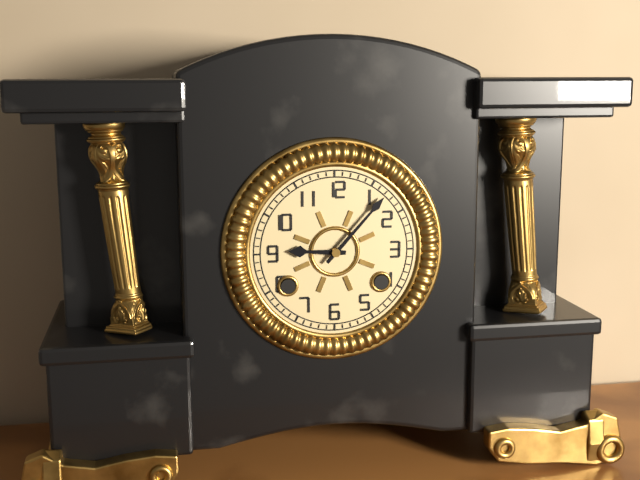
9:07
